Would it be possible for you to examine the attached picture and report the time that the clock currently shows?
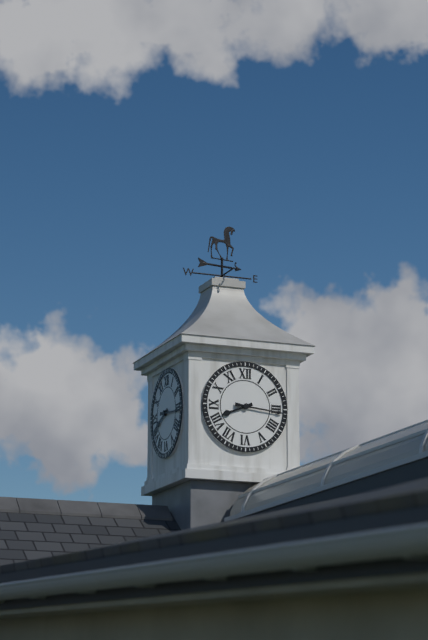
8:16
